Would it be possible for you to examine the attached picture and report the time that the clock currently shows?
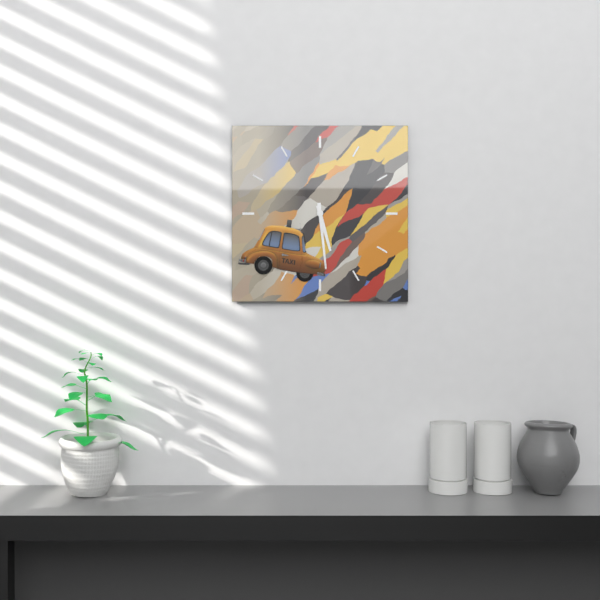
5:29
